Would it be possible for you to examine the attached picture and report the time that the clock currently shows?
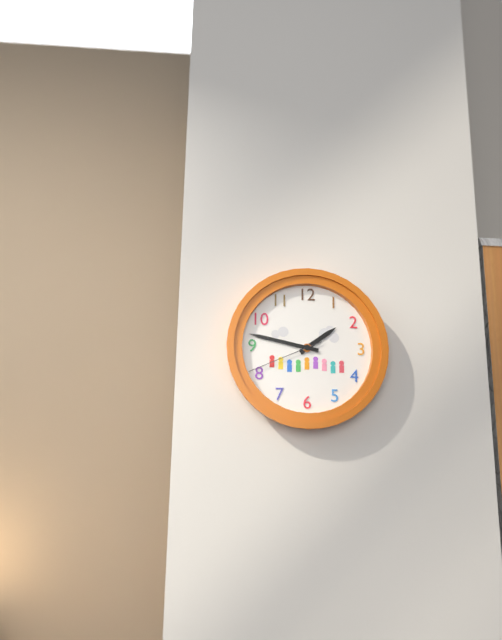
1:47:41
